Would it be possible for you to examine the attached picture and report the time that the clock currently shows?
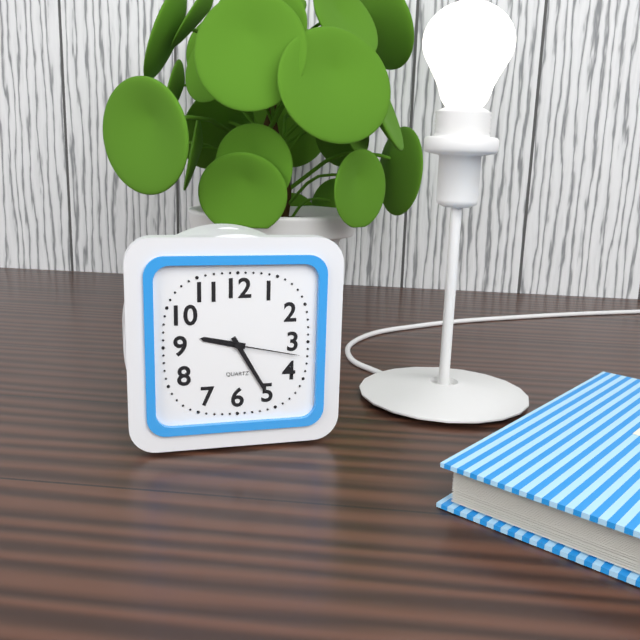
9:25:17
